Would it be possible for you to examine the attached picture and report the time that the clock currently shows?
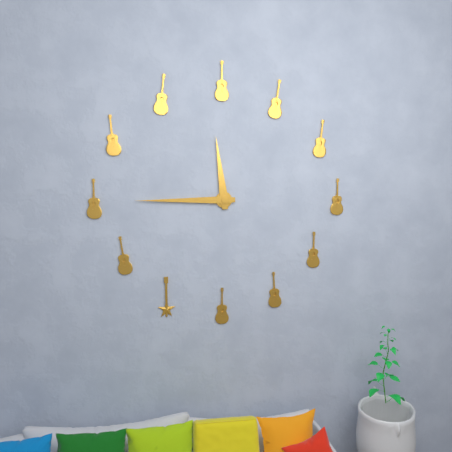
11:45
